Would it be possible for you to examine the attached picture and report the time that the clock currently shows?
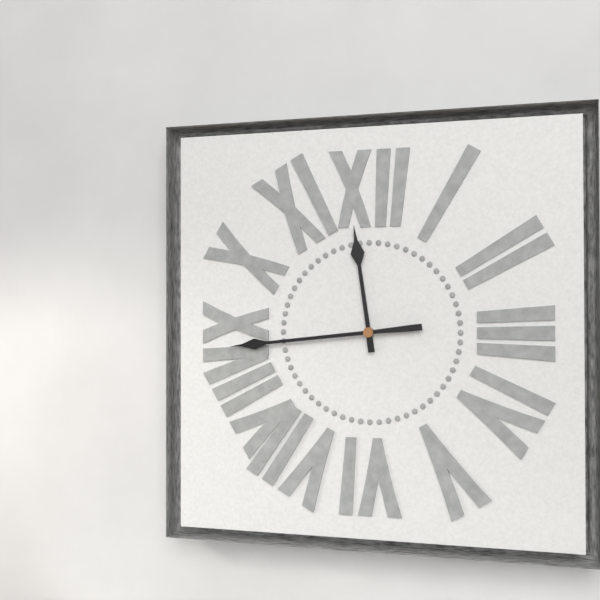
11:44
